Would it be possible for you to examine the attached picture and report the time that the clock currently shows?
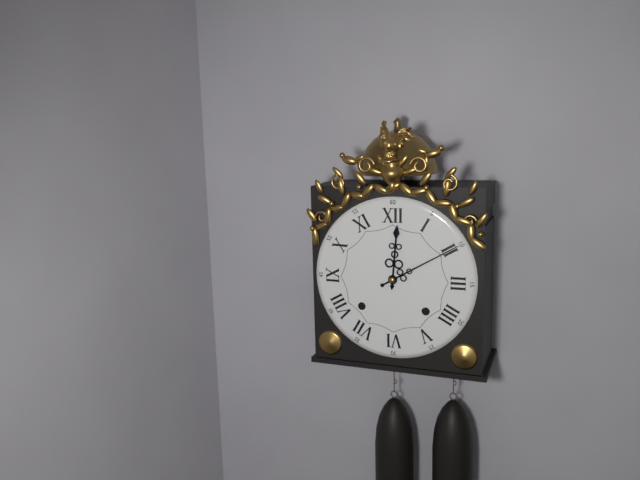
12:10
